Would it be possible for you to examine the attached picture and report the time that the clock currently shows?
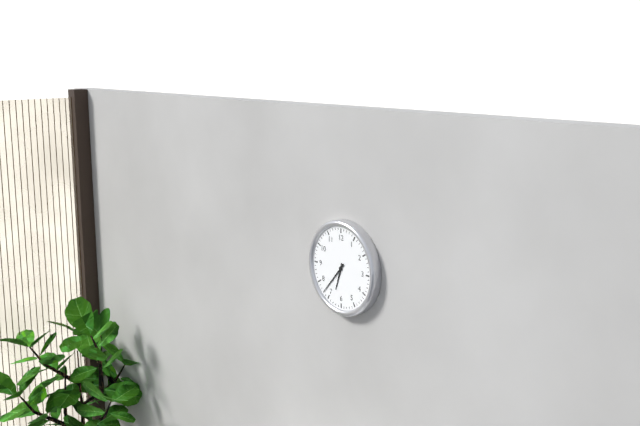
6:37
